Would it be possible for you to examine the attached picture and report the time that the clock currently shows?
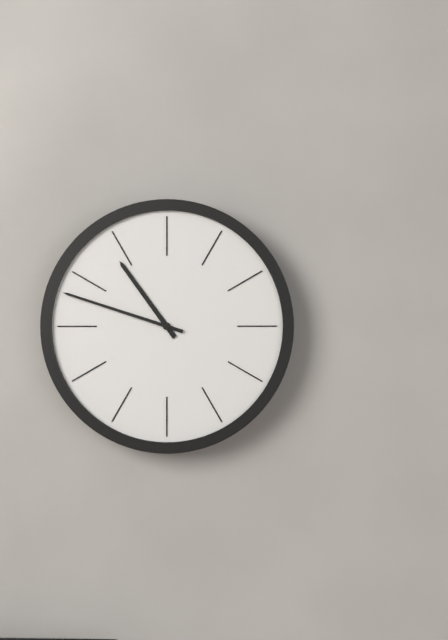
10:48
